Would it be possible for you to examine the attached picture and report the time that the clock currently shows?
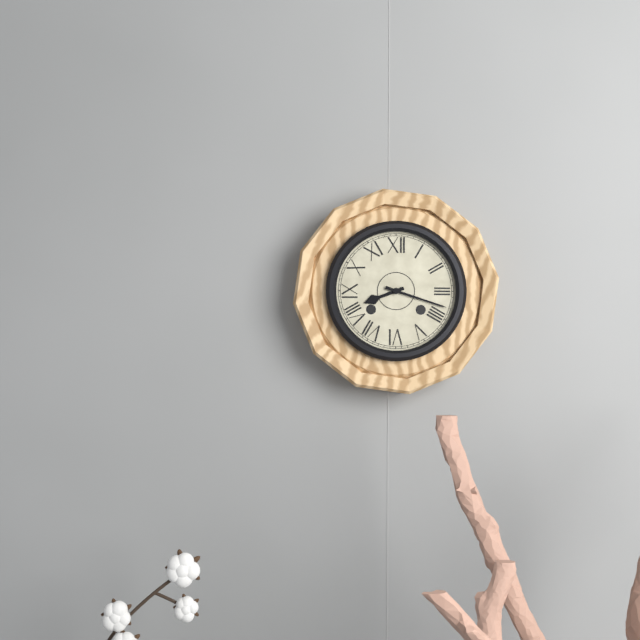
8:18
